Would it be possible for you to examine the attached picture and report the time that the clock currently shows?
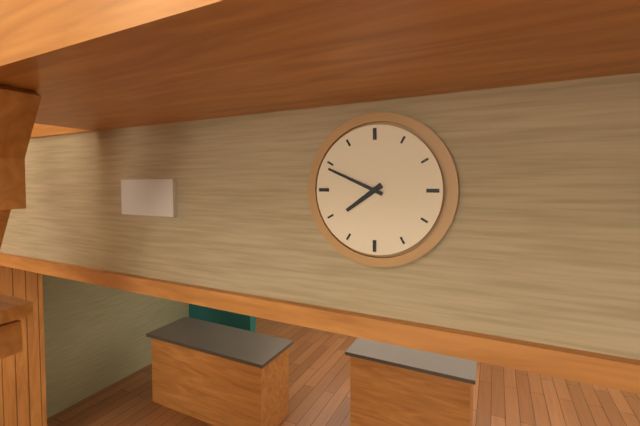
7:49
